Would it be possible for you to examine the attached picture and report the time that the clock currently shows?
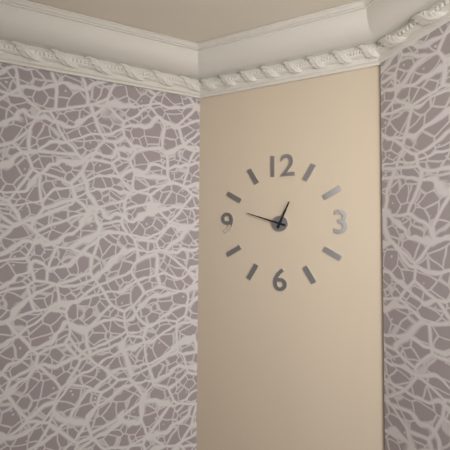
12:48
